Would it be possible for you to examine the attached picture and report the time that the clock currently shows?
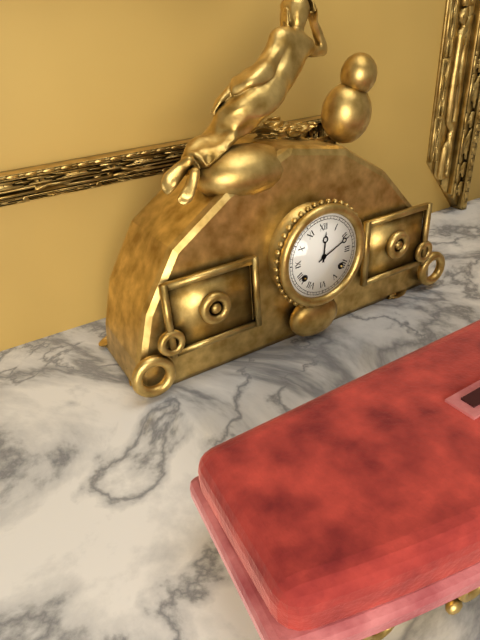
12:11
